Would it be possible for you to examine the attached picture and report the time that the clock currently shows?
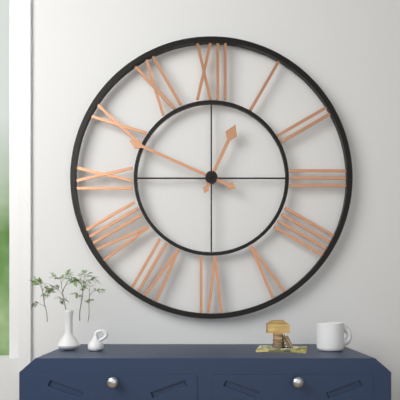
12:49
